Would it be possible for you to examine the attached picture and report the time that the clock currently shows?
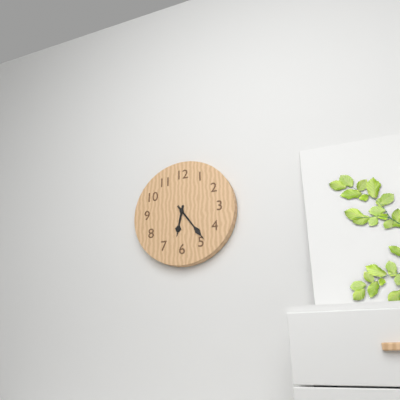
6:24
